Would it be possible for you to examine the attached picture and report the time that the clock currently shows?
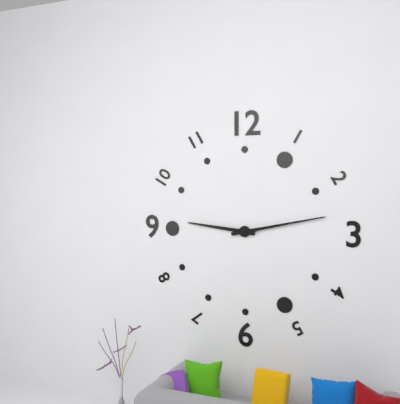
9:13
